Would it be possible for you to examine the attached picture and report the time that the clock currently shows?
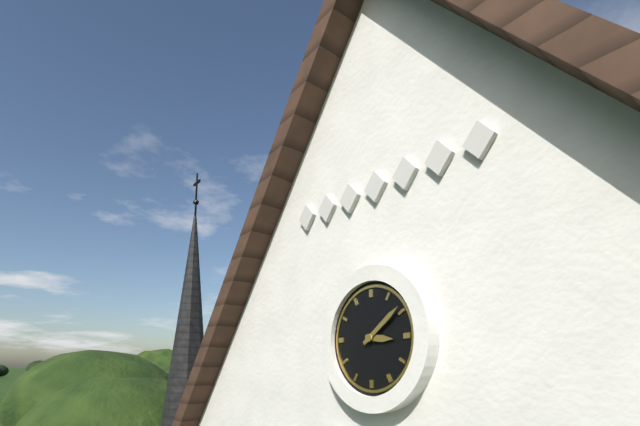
3:09
